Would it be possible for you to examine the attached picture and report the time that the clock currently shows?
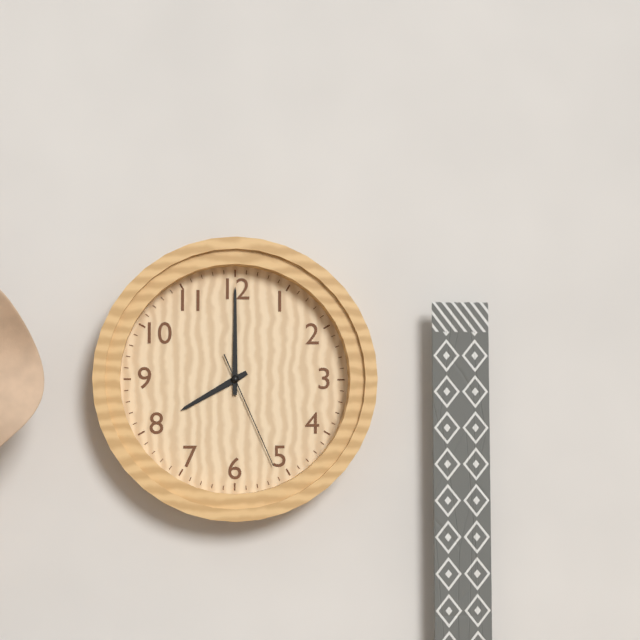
8:00:26
